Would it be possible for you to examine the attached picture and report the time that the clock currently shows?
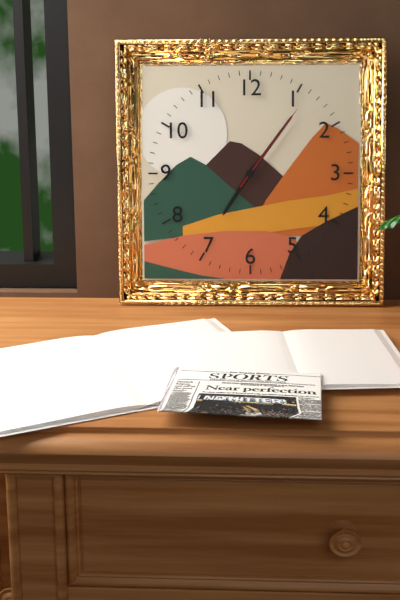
7:06:06
